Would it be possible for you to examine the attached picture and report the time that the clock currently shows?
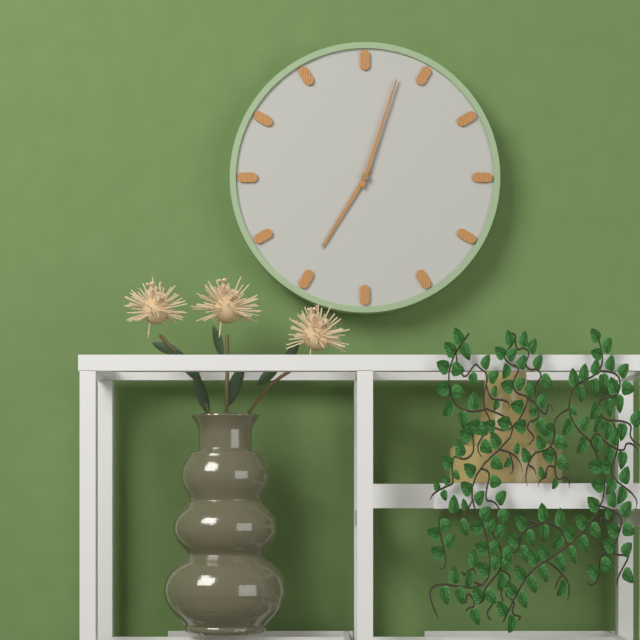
7:03
